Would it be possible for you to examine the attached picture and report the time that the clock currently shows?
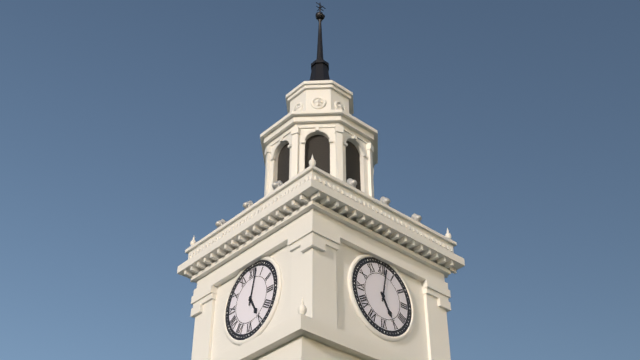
5:02
